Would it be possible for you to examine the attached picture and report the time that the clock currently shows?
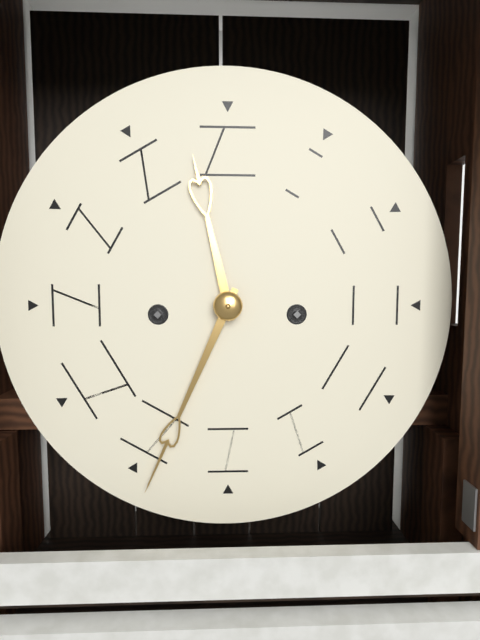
11:34
